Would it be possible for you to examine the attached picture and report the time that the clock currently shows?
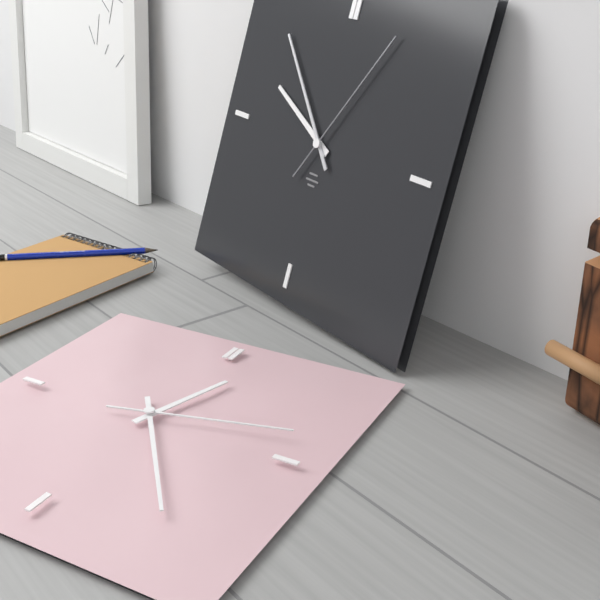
9:53:05
